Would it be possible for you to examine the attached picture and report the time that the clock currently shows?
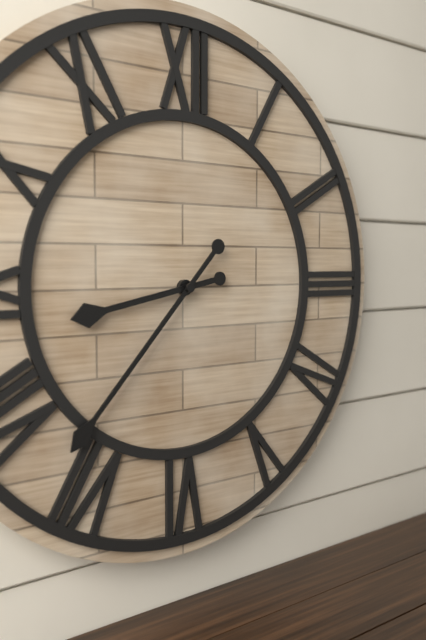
8:37
